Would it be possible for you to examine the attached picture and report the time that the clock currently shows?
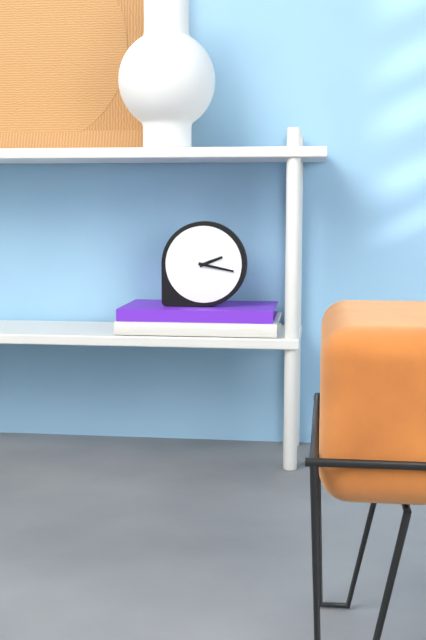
2:17
